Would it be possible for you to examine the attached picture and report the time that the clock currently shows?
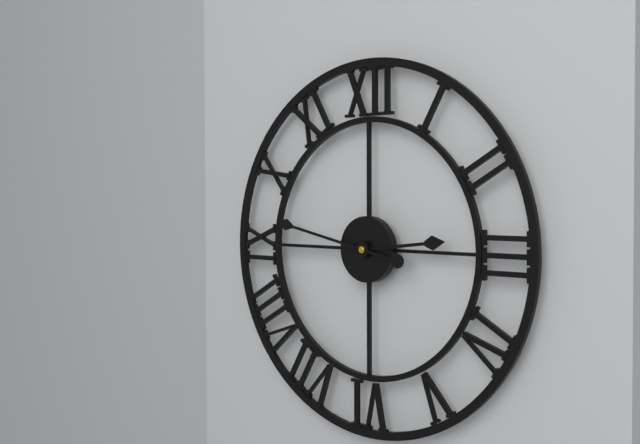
2:47
